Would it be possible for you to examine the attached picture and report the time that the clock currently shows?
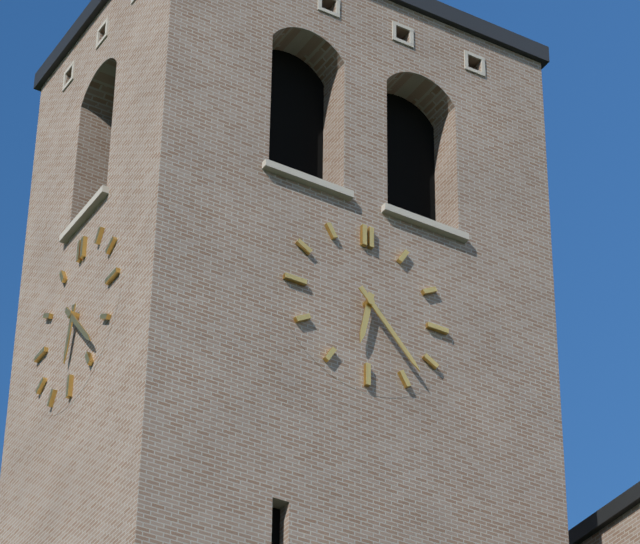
6:23
